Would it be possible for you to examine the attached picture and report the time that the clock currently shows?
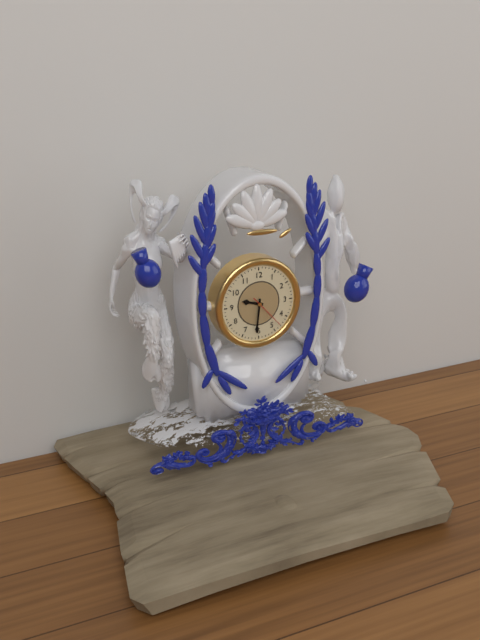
9:31
